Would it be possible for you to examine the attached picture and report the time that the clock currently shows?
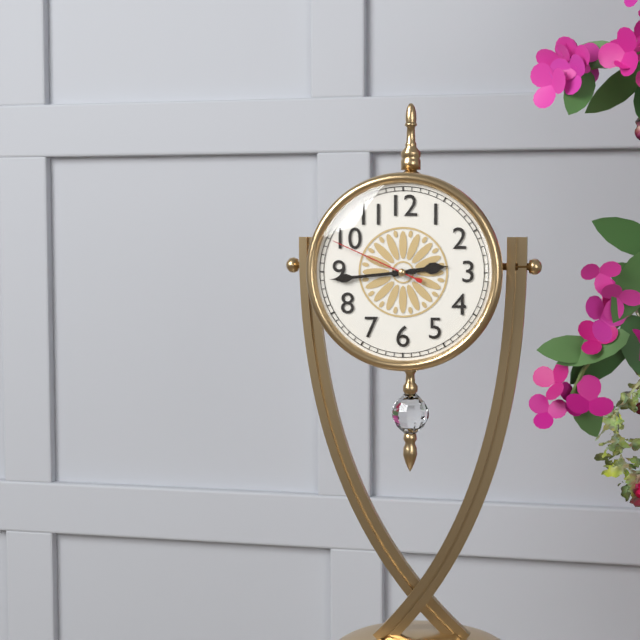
2:44:49
